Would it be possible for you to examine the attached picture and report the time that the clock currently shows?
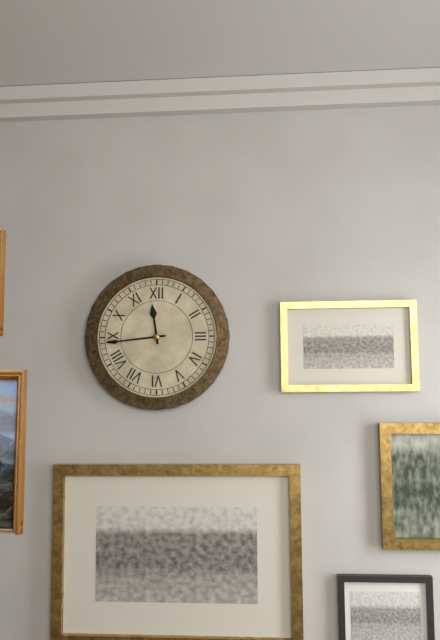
11:44
